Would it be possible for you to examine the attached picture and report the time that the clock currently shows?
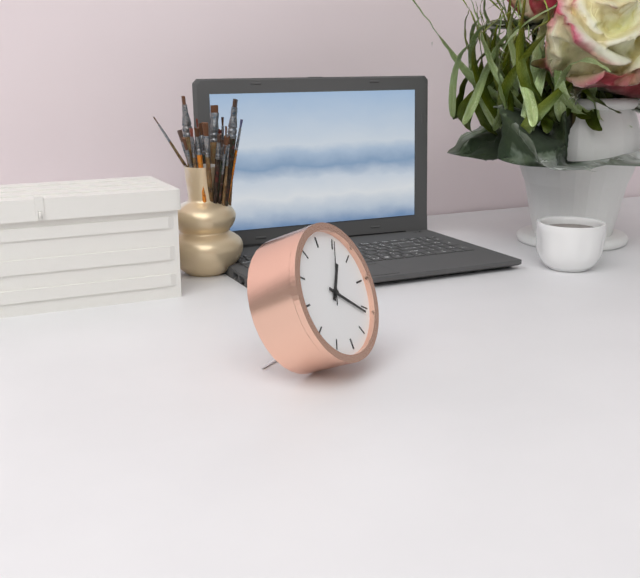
1:21:05
